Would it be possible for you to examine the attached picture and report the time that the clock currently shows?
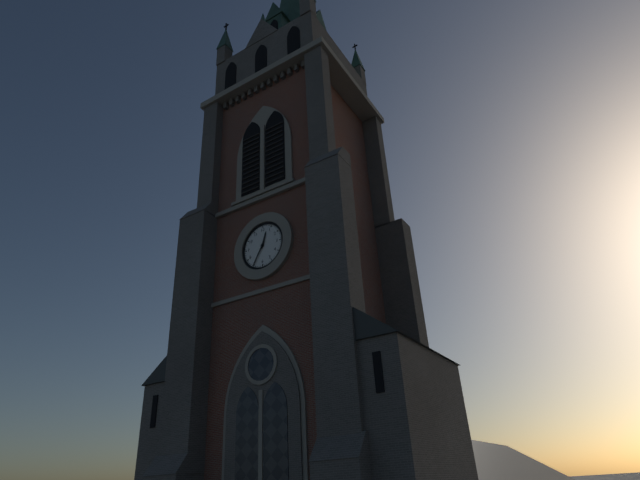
12:35
